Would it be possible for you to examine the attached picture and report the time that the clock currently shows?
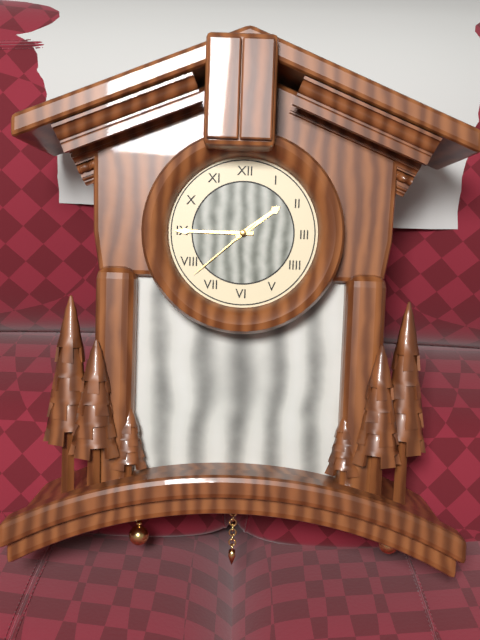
1:45:38
